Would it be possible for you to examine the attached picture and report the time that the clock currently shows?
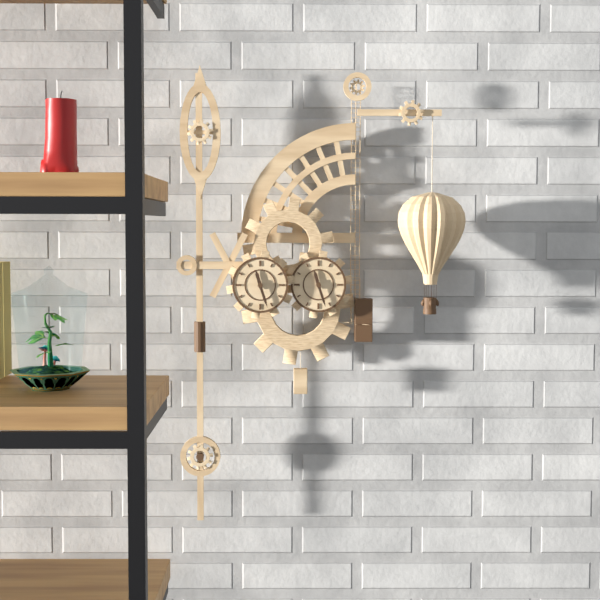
11:27
